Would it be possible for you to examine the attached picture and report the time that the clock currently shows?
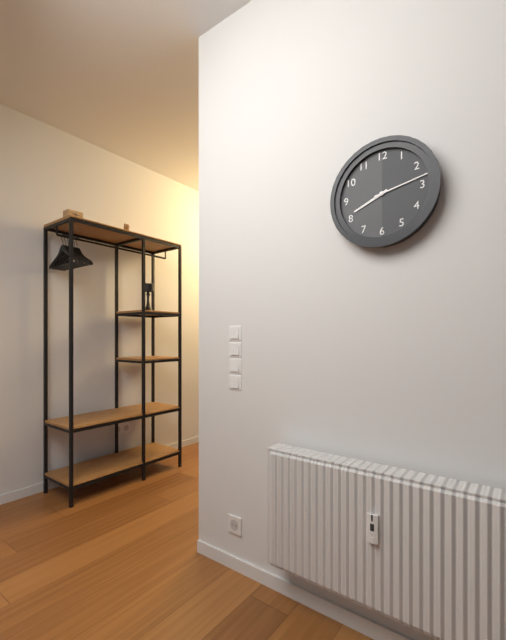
8:13
